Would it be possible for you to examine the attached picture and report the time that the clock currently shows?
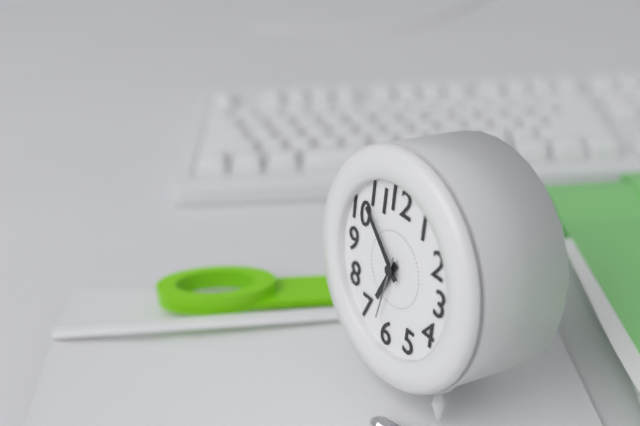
6:52:32
